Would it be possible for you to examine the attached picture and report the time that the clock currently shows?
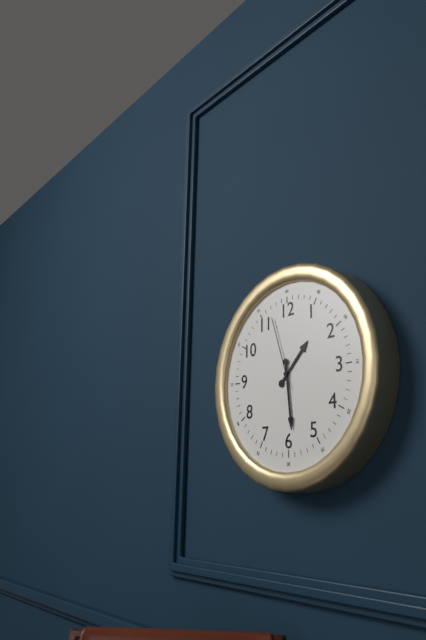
1:29:57
